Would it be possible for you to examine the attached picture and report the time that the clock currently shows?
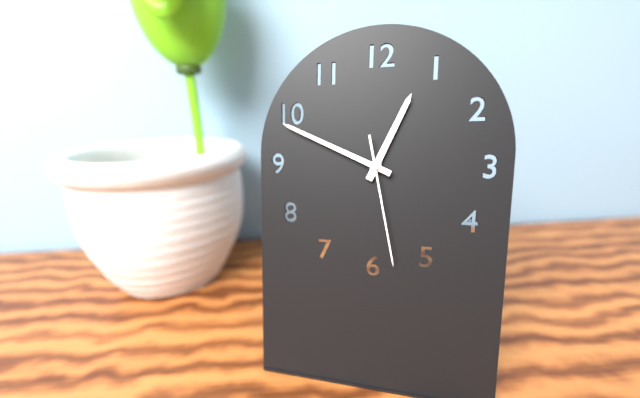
12:49:28
